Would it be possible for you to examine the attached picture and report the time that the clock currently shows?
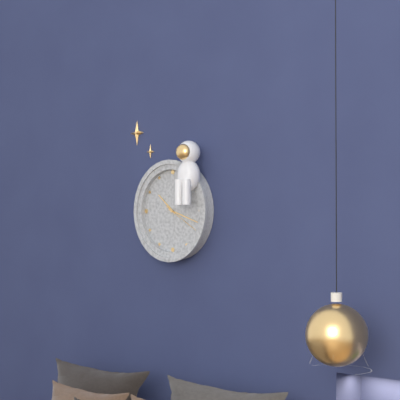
10:18
